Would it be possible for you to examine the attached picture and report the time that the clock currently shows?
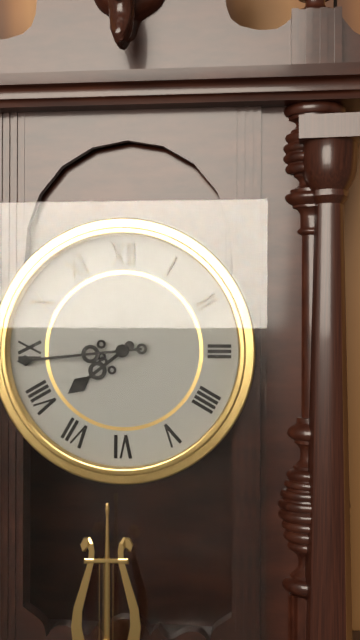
7:44
